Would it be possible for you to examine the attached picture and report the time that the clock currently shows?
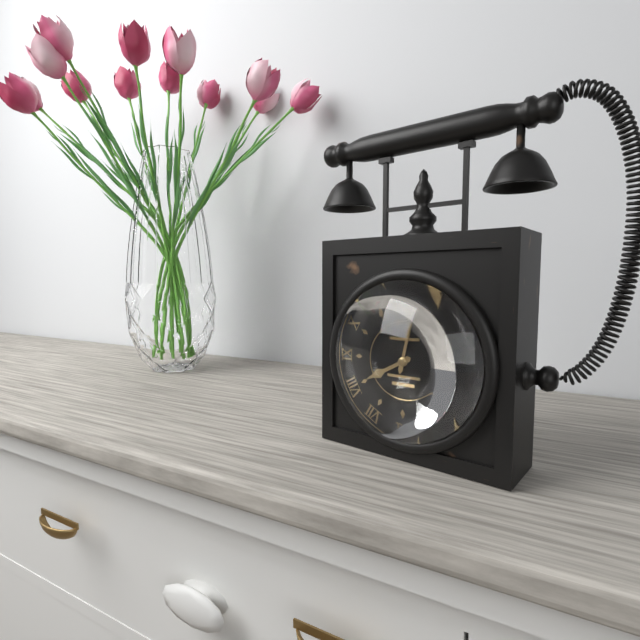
8:02
